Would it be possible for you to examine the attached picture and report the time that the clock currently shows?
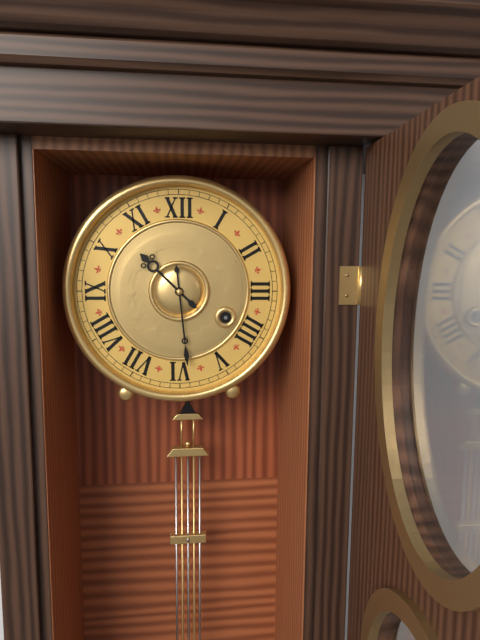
10:29
